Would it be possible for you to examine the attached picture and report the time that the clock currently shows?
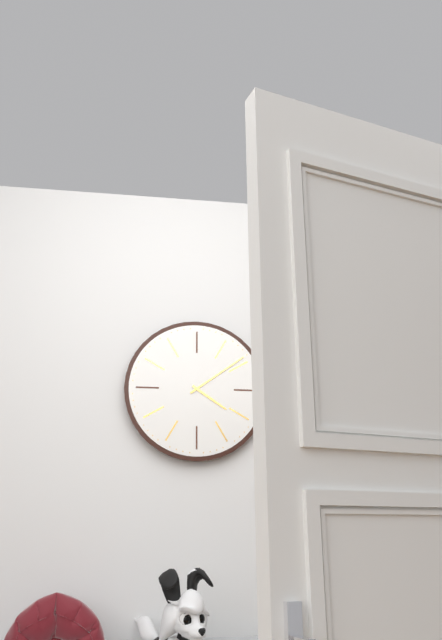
4:09
